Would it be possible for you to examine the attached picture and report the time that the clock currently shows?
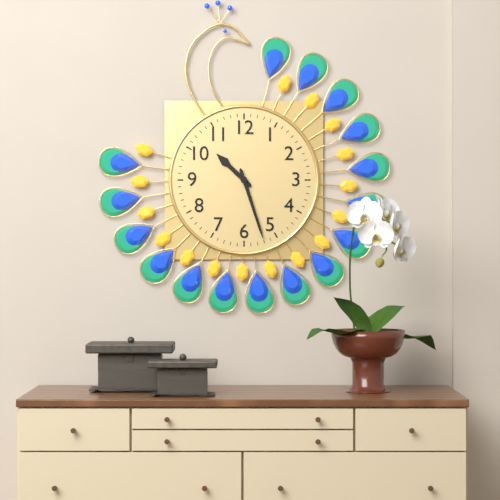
10:27
